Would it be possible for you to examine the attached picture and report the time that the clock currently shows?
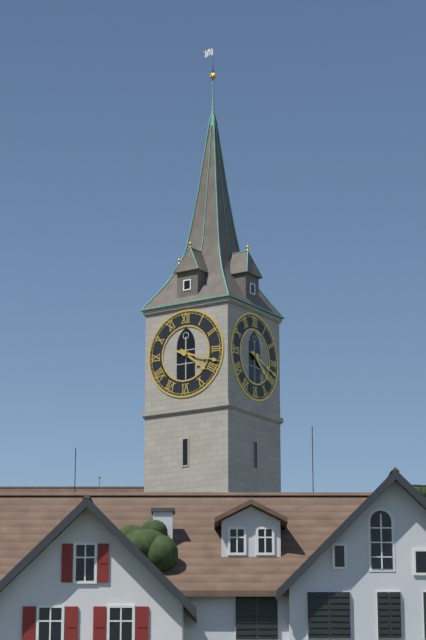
4:18
